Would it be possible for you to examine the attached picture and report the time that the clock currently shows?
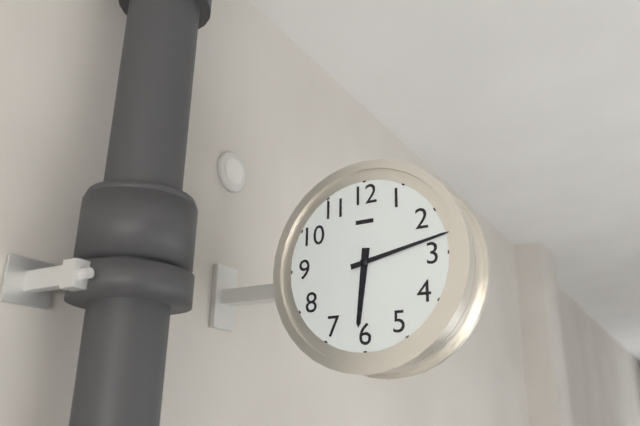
6:13
